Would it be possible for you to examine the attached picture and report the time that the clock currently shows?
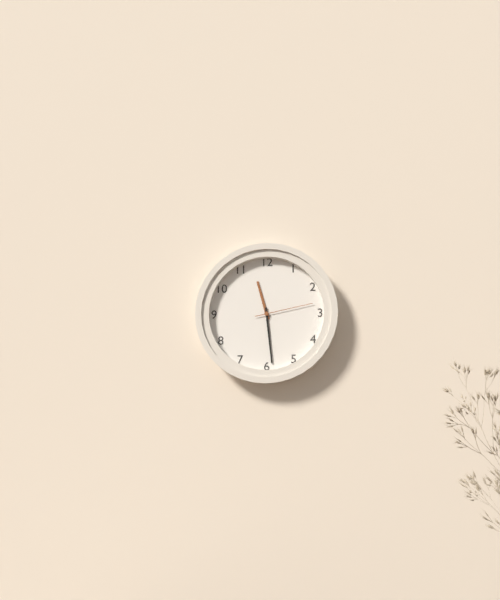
11:29:13
